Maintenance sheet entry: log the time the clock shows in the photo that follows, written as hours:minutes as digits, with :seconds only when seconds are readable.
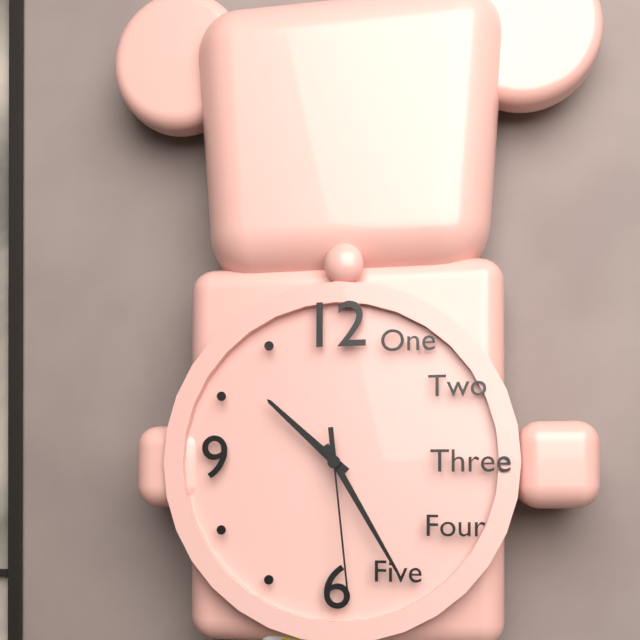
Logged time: 10:25:29
